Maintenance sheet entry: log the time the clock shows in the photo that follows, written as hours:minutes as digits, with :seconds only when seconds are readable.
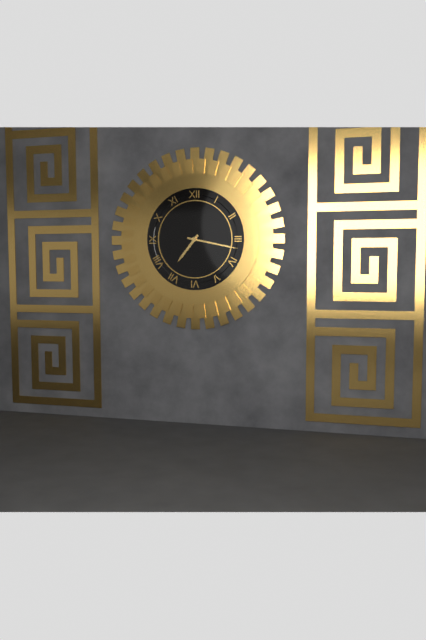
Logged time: 7:17
